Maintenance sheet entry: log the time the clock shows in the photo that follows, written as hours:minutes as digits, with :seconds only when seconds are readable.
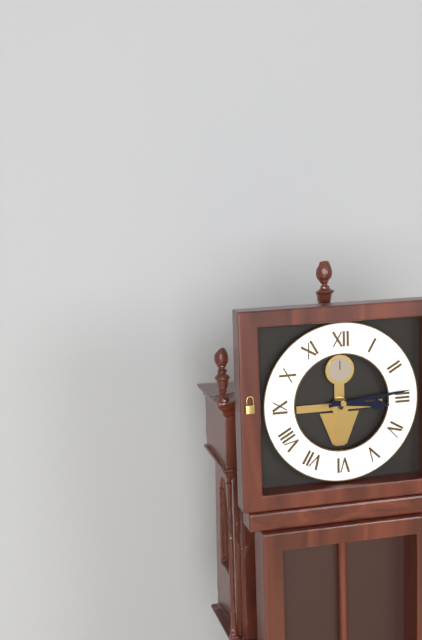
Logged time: 3:14
